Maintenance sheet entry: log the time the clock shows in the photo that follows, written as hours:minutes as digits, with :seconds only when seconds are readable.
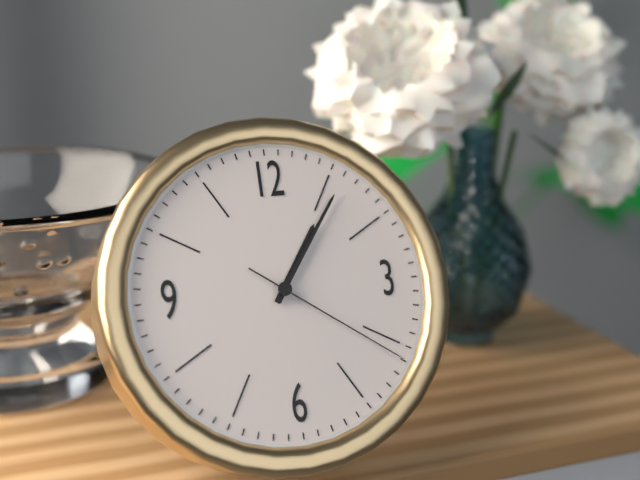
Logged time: 1:06:21
